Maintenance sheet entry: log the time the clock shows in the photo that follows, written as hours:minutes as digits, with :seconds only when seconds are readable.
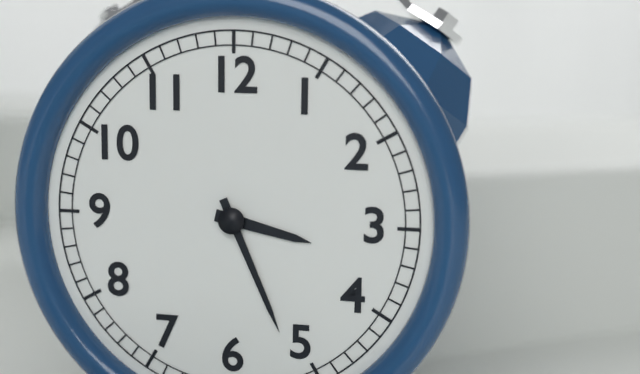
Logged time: 3:26
